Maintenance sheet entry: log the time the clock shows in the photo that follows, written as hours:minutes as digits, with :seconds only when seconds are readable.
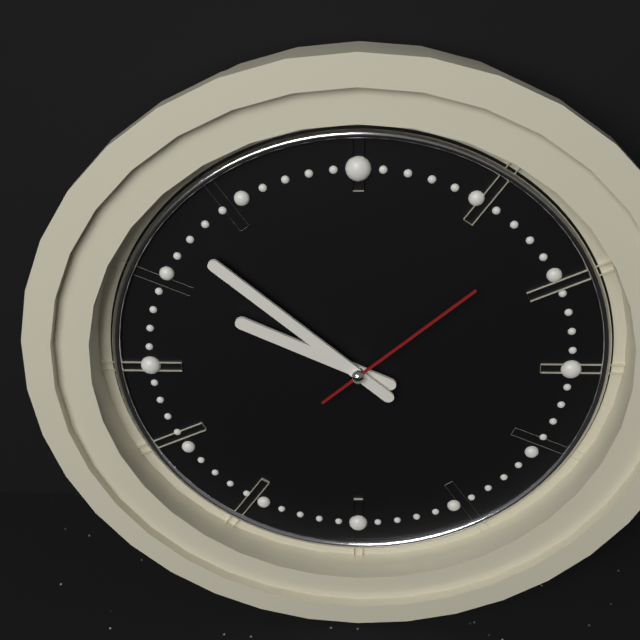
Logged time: 9:52:08
